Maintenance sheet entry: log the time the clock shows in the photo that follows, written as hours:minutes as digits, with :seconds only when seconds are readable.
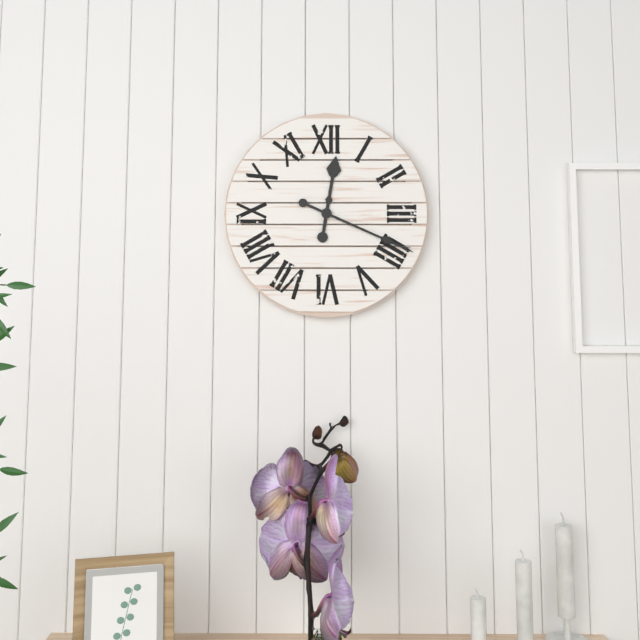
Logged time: 12:19
